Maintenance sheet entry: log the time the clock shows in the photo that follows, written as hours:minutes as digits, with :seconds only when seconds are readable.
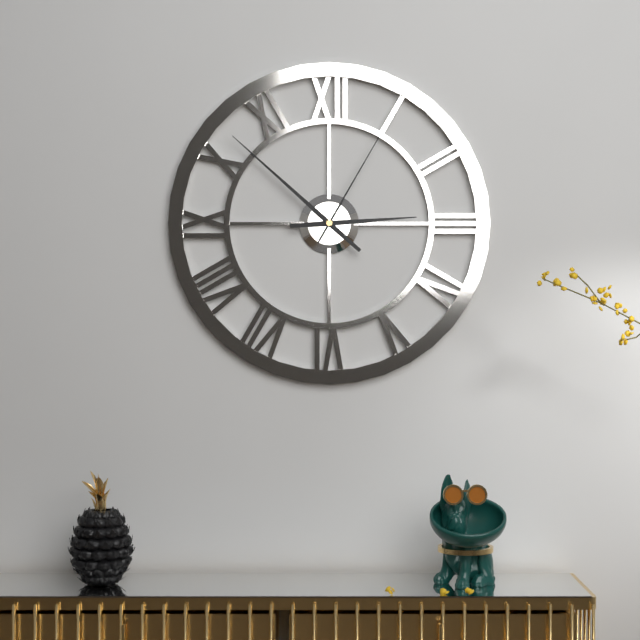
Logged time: 2:52:05
